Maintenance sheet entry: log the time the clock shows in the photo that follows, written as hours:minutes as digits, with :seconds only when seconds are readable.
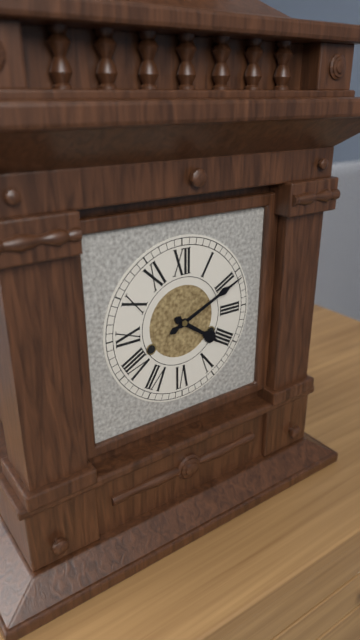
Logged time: 4:11
